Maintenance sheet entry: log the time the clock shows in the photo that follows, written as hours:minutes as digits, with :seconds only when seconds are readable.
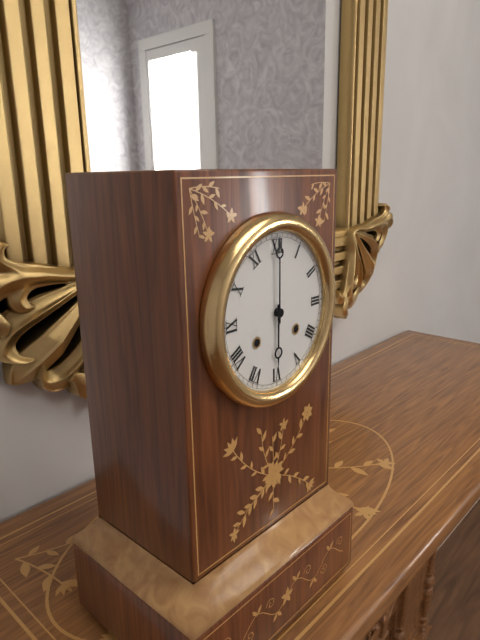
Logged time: 6:00
